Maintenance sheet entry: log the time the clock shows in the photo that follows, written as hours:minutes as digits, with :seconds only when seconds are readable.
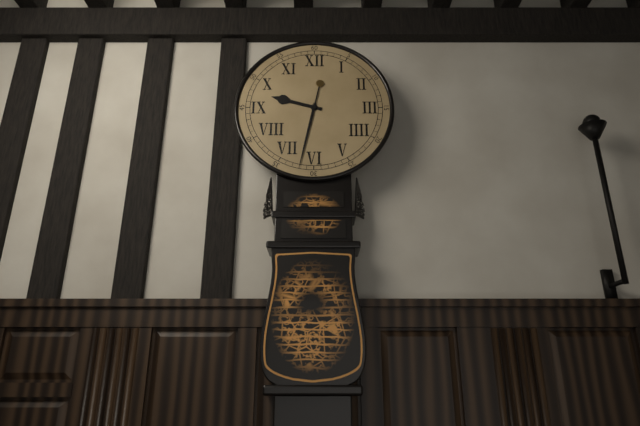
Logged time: 9:32
